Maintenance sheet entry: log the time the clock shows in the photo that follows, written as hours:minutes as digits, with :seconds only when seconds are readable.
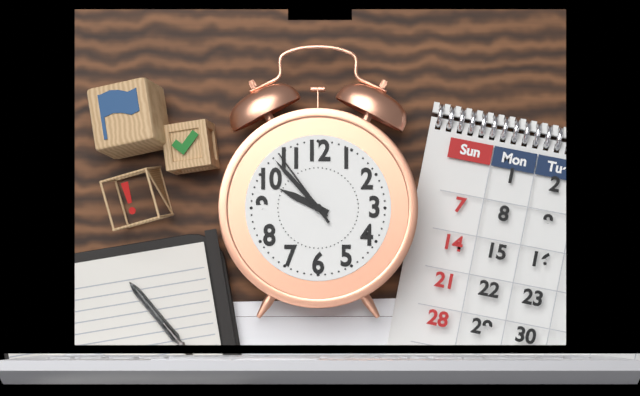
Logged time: 9:53:54
